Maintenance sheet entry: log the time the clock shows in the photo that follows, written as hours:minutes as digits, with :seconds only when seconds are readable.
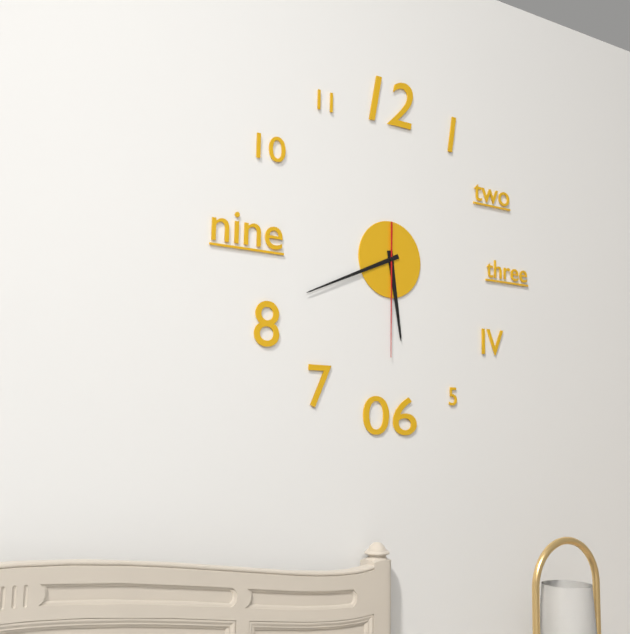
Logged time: 5:41:30
